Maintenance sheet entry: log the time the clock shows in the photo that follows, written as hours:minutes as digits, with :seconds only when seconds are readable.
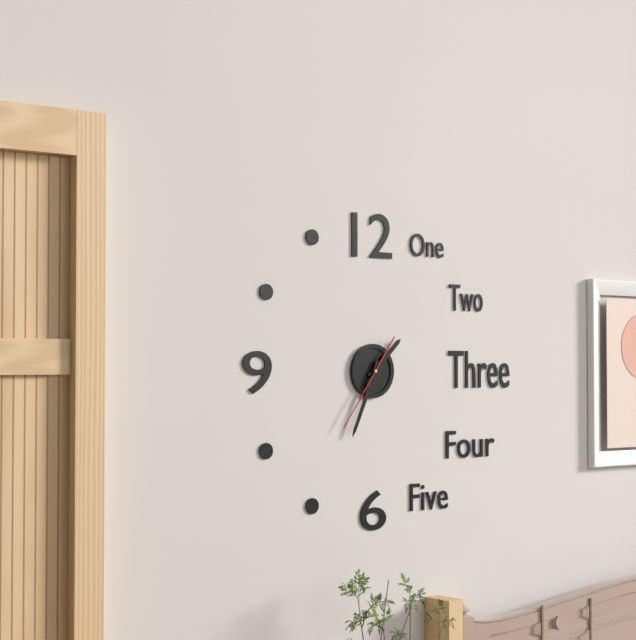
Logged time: 1:34:36
